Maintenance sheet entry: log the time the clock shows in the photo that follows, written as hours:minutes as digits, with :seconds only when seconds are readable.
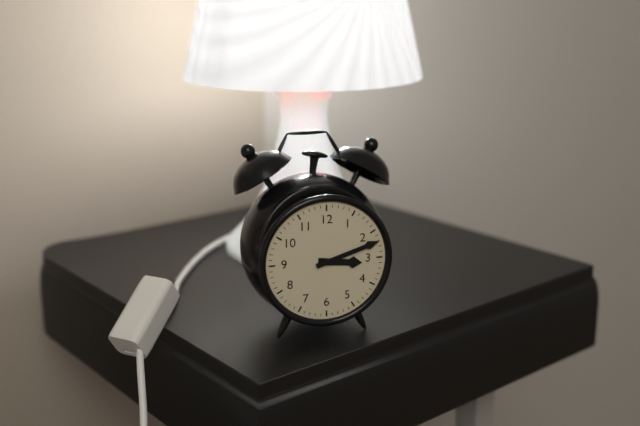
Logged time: 3:12
